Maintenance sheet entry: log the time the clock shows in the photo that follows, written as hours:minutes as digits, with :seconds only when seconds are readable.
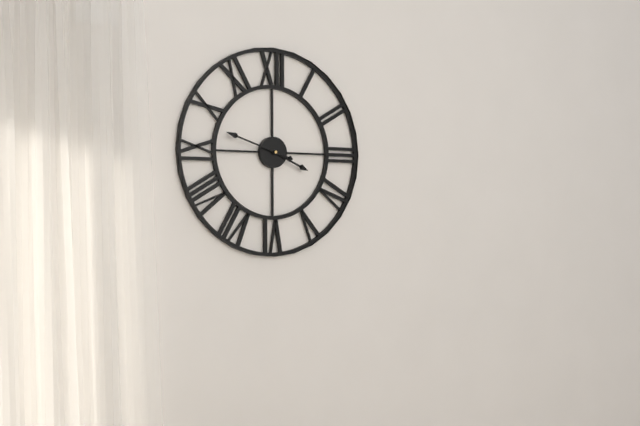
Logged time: 3:48
